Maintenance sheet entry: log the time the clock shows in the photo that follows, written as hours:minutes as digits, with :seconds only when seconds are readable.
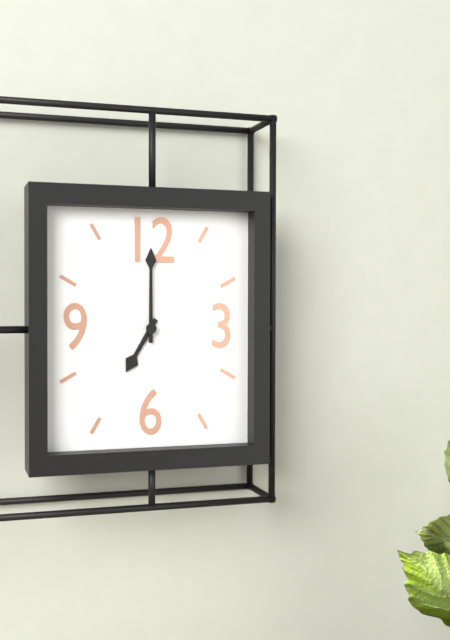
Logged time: 7:00
